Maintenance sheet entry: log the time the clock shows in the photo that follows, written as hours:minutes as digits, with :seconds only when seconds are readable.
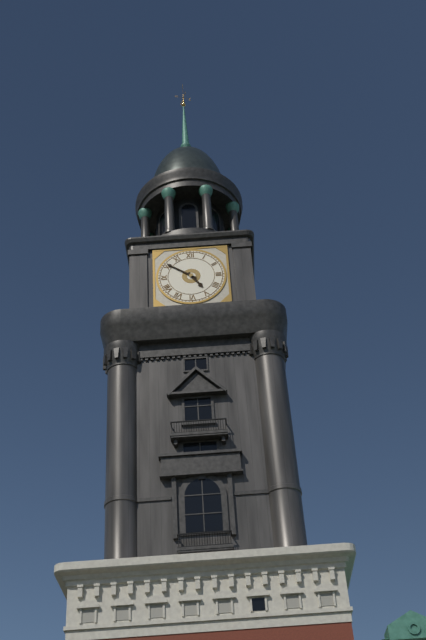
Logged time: 4:51
